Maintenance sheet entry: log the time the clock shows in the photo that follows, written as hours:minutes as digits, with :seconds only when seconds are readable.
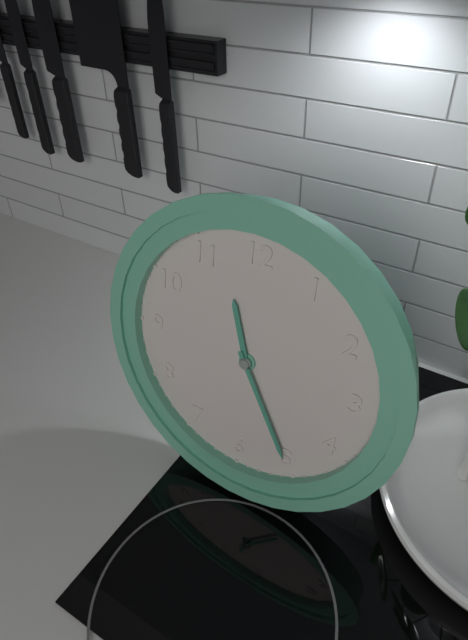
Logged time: 11:25
